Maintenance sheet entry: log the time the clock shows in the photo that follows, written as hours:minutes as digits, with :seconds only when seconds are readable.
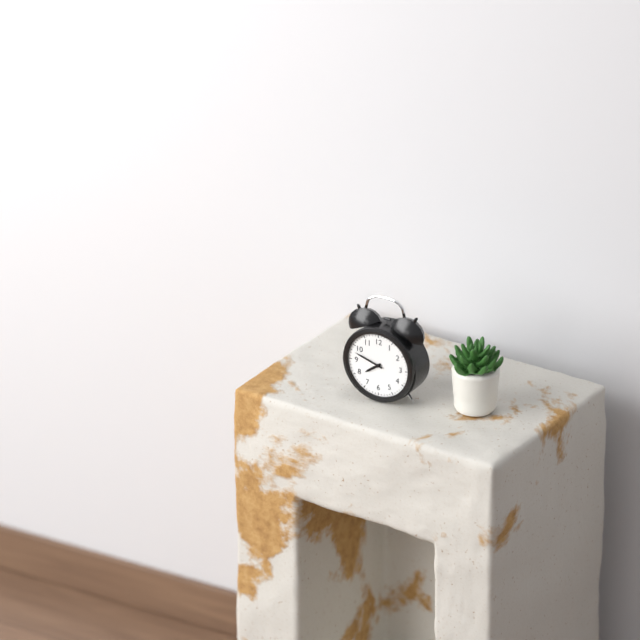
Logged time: 7:48
